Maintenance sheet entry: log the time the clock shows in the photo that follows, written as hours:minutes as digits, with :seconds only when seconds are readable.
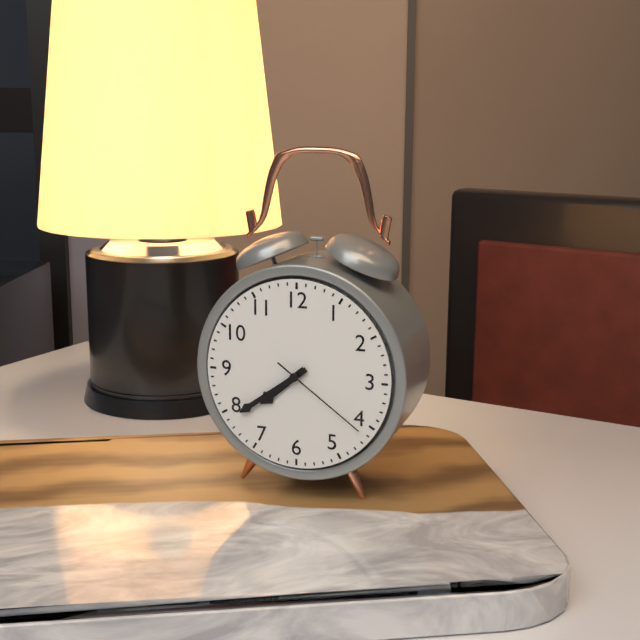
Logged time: 7:39:21
